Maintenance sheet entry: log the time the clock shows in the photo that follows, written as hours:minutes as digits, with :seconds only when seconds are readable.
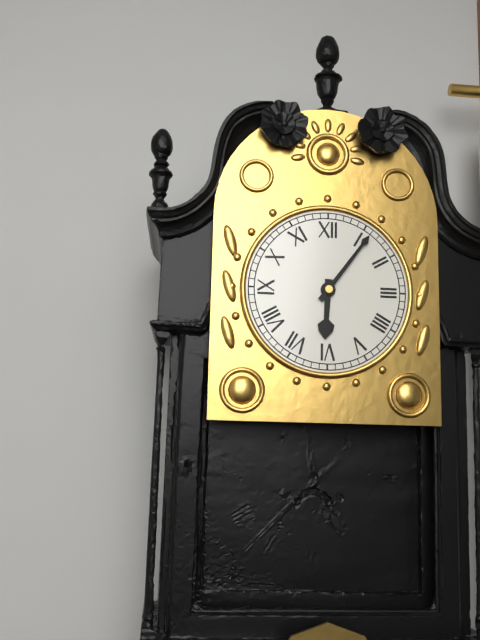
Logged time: 6:06
